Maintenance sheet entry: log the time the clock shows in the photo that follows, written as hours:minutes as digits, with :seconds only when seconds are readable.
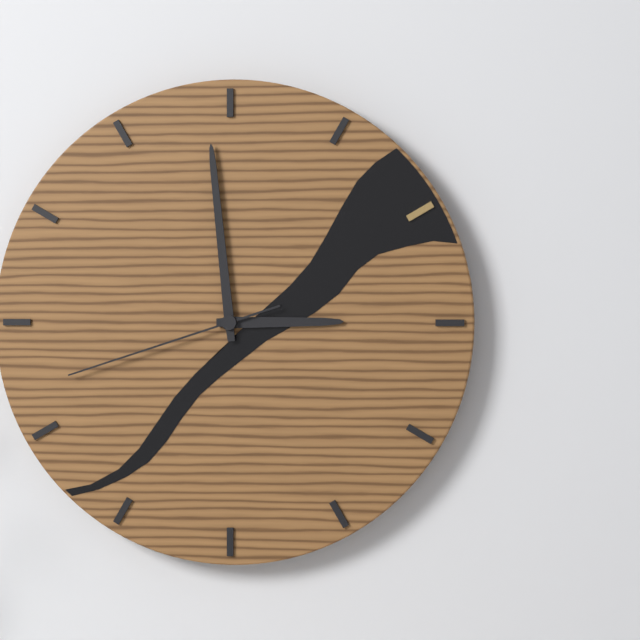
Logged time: 2:59:42
